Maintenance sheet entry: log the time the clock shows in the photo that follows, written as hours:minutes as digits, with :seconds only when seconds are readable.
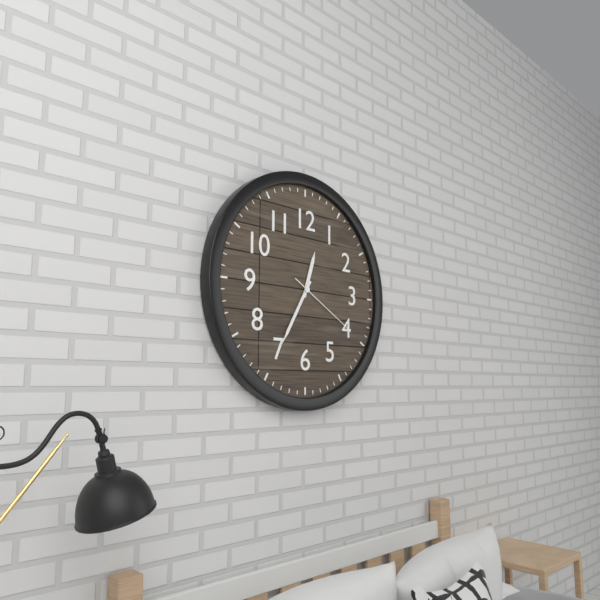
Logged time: 12:35:20
